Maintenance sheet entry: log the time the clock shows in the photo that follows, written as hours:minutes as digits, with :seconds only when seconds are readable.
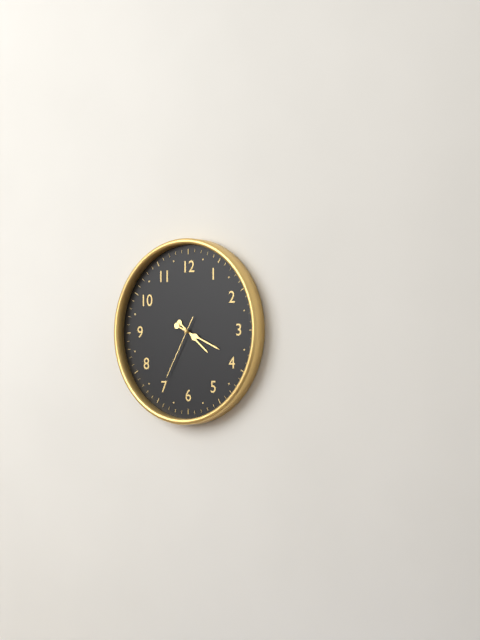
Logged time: 4:19:35
